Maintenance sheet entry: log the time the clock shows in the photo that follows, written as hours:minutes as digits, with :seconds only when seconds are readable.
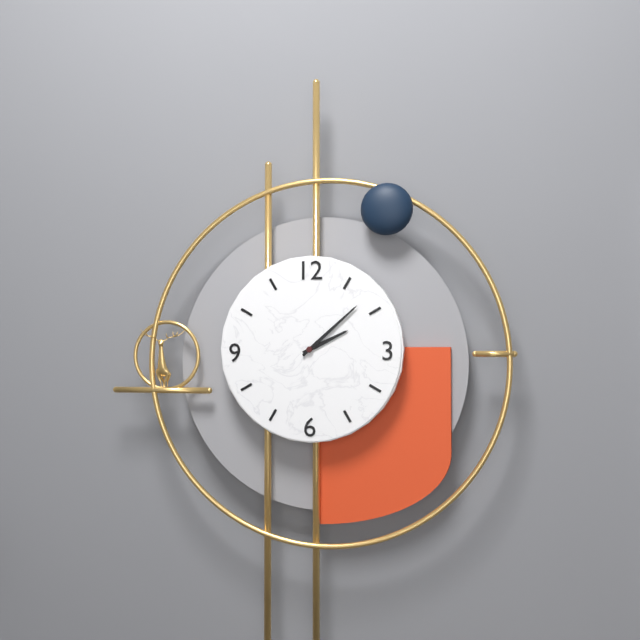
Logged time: 2:08
